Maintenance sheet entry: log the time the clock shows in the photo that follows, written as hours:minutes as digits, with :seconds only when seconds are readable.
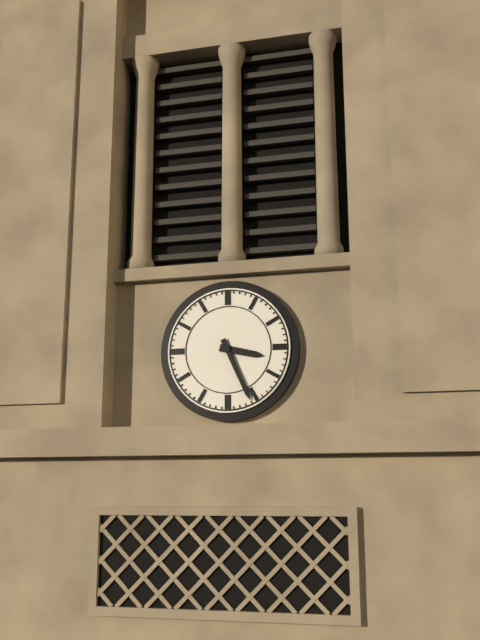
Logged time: 3:26
